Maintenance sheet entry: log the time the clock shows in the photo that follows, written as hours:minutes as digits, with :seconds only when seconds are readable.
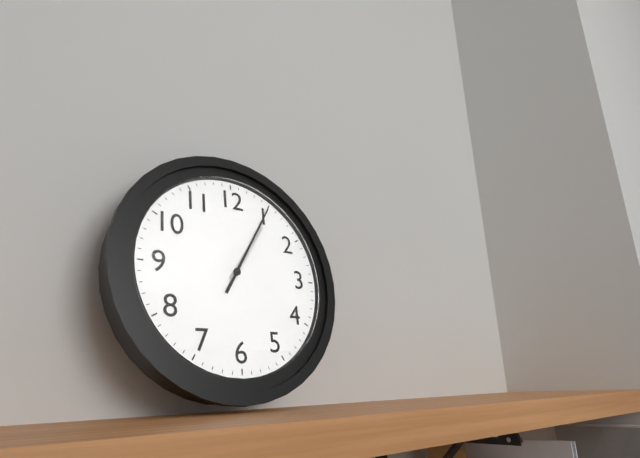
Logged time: 1:05
